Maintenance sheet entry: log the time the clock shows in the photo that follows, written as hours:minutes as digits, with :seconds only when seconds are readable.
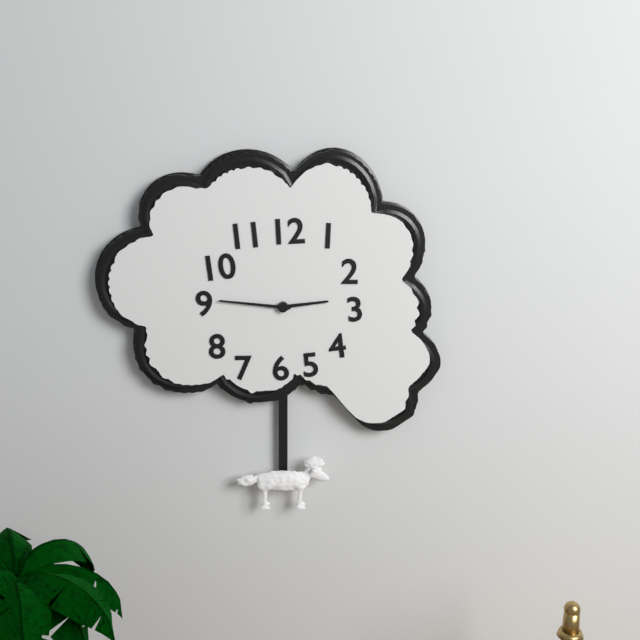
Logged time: 2:46
